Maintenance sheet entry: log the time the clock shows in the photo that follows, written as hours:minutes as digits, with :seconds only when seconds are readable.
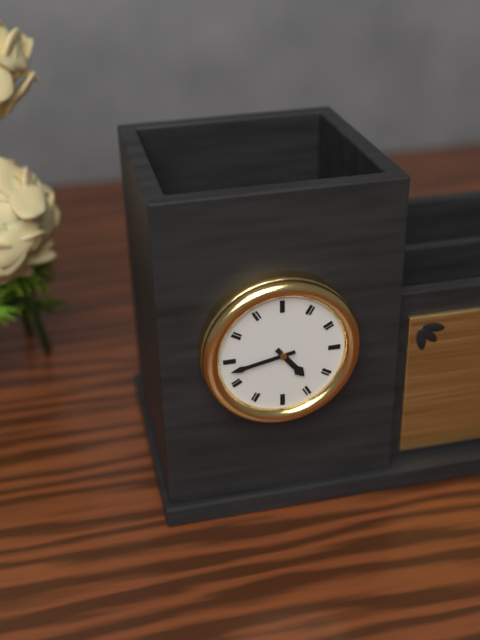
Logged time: 4:43
